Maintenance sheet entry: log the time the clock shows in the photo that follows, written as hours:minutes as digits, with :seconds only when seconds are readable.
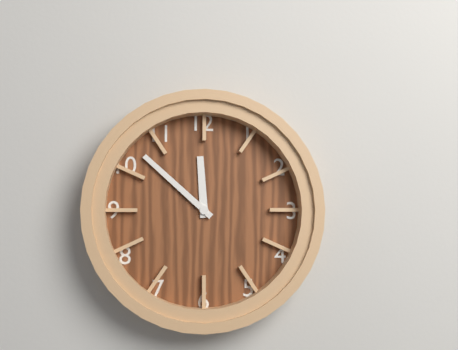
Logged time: 11:52
